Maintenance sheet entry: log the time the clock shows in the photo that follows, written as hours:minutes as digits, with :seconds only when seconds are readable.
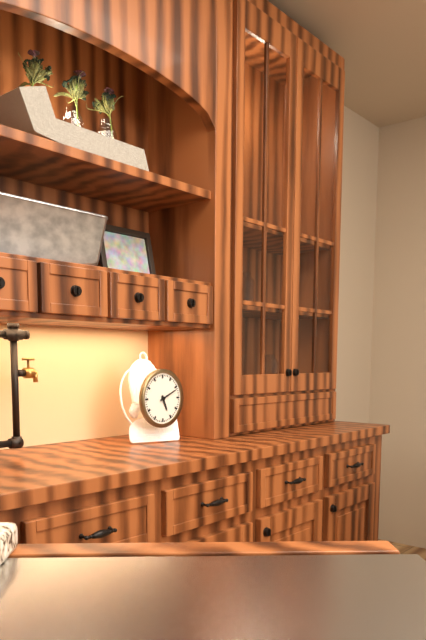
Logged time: 5:11
